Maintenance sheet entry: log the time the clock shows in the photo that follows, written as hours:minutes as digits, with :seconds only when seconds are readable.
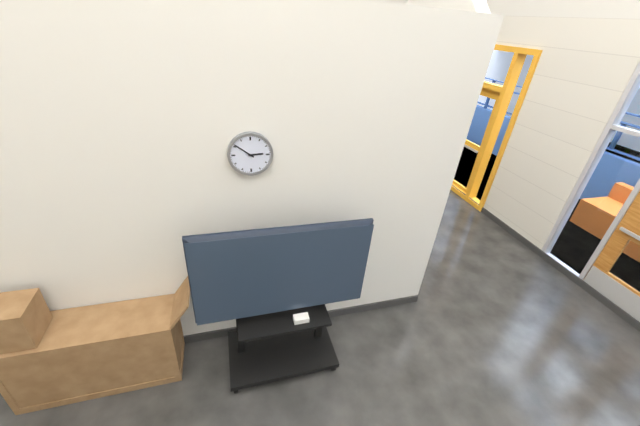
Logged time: 2:51
